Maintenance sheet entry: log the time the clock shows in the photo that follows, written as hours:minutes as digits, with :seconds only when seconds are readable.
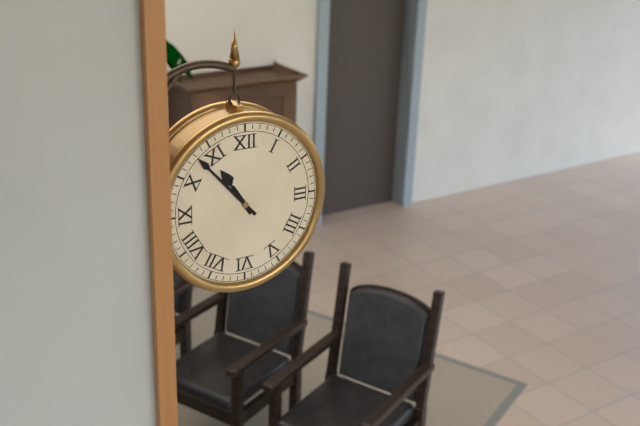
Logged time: 10:53
